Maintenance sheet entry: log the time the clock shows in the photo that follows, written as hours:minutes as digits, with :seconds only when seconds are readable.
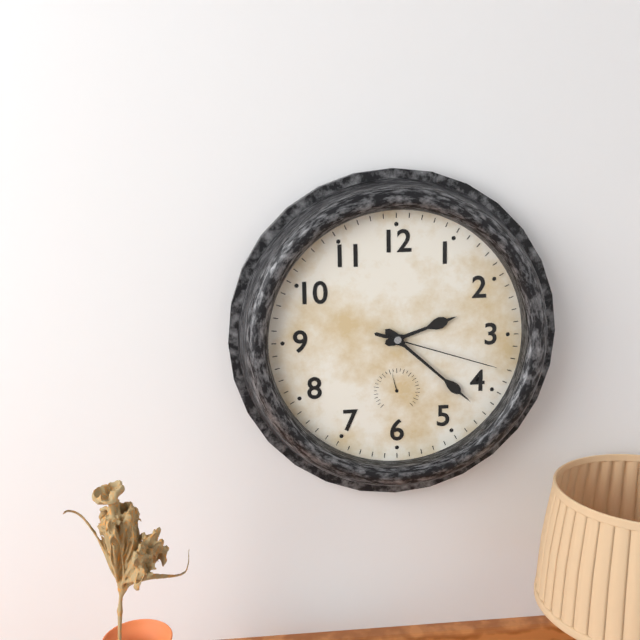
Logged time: 2:22:18
